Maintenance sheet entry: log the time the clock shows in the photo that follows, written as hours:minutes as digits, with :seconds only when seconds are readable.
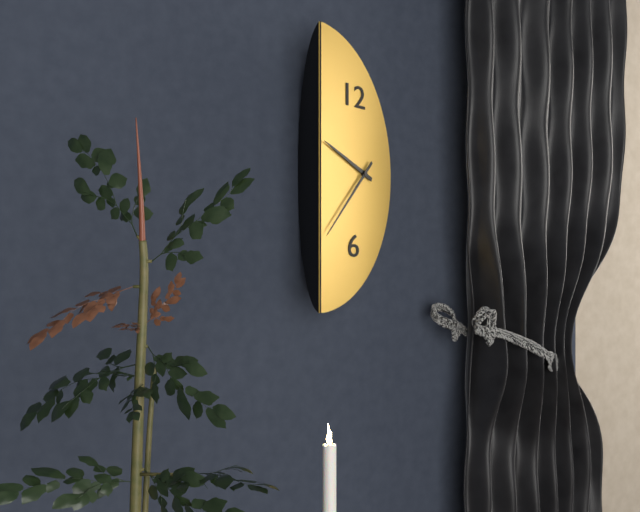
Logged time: 9:38
